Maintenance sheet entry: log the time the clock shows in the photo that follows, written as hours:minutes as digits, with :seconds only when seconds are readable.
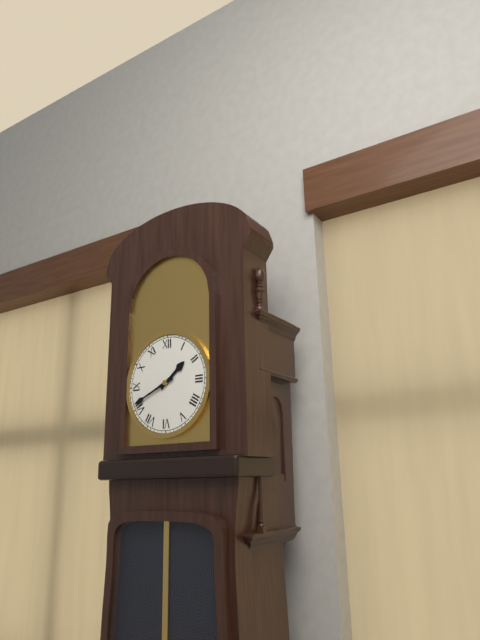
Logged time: 1:41
